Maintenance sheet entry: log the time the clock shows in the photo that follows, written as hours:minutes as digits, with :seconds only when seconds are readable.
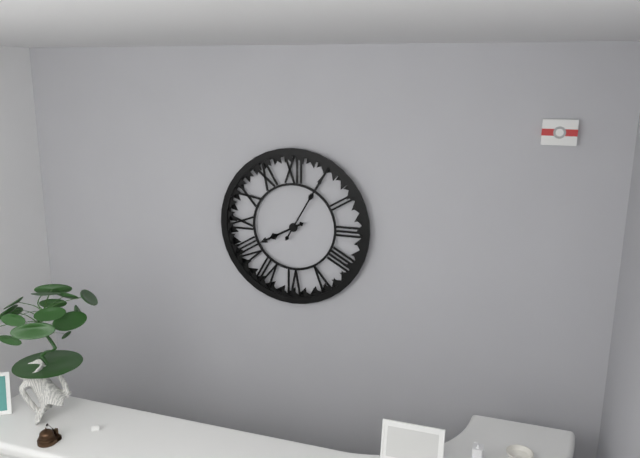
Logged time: 8:05
